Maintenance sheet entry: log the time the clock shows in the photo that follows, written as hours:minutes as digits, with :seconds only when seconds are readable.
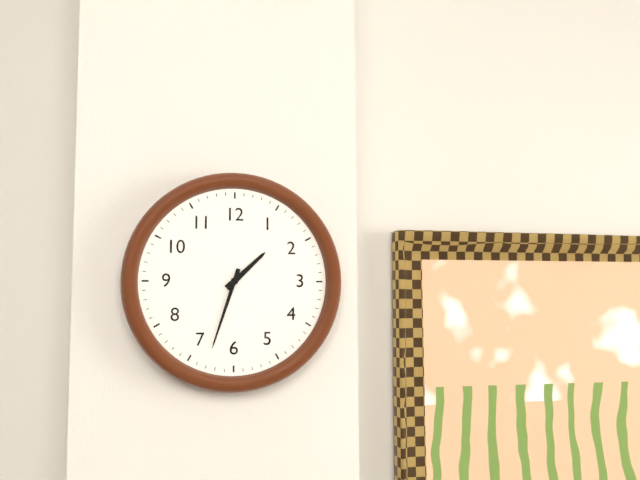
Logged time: 1:33
